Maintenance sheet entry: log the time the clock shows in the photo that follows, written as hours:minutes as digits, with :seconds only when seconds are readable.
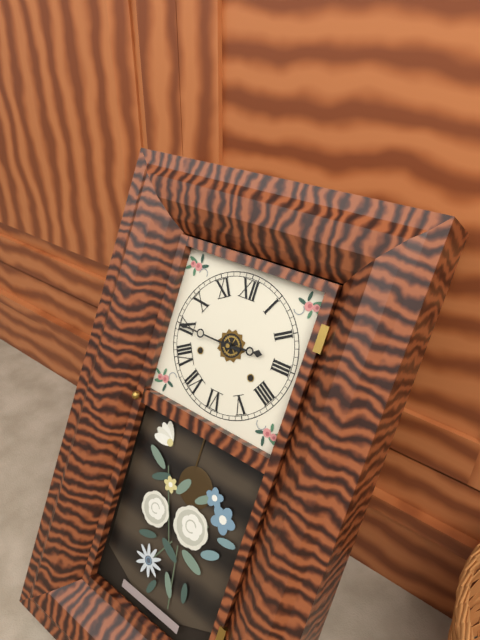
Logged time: 2:45
